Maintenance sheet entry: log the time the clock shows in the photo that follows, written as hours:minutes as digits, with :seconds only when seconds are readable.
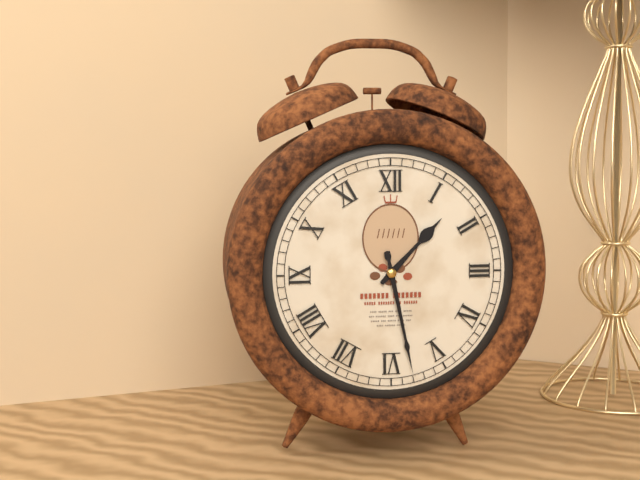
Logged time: 1:28
